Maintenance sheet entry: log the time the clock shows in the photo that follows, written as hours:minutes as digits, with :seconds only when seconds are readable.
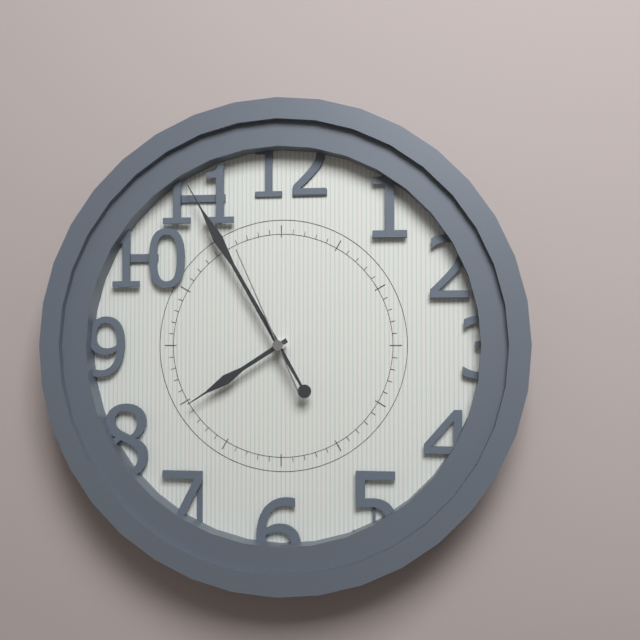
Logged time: 7:55:56
